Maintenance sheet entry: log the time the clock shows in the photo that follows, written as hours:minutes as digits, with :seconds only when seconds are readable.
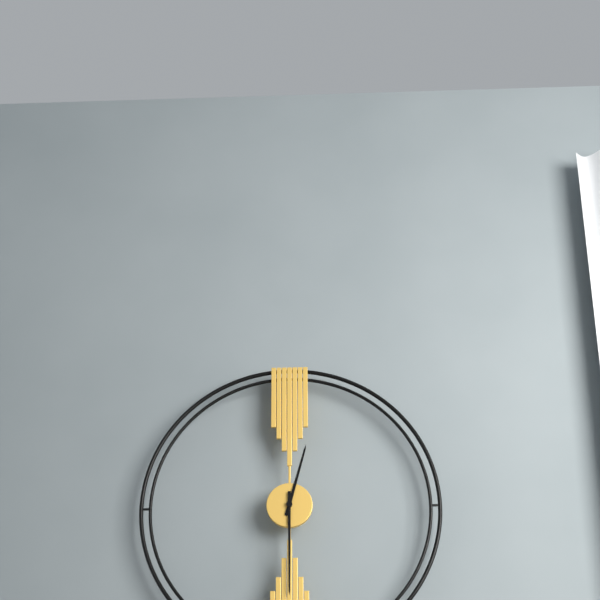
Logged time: 12:30
